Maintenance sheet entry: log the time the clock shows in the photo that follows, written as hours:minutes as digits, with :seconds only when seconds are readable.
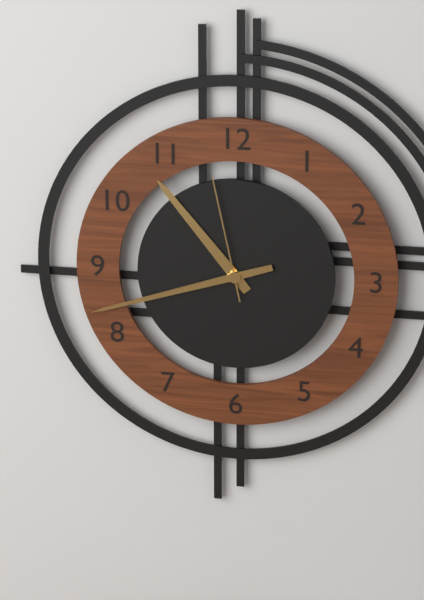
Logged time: 10:42:58
